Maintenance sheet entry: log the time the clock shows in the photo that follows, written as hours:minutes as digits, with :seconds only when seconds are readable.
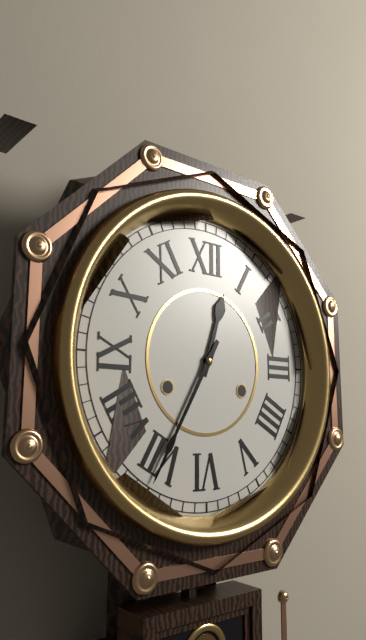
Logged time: 12:35
